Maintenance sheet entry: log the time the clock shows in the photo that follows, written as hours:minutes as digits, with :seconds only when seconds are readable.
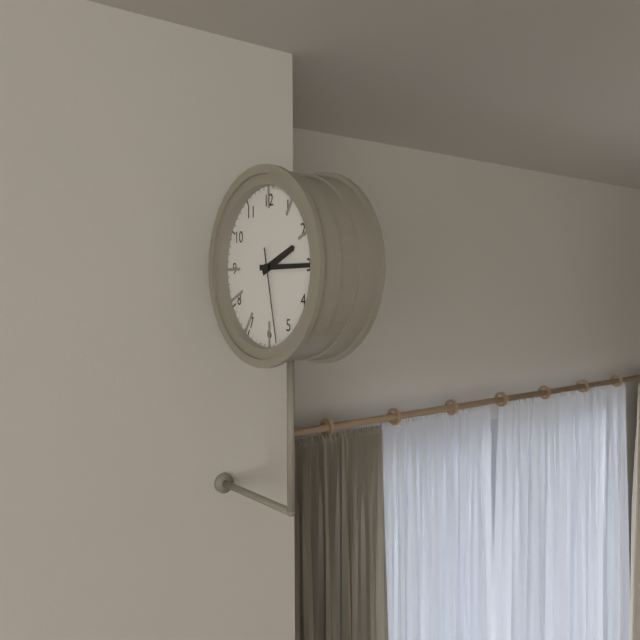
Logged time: 2:15:28
